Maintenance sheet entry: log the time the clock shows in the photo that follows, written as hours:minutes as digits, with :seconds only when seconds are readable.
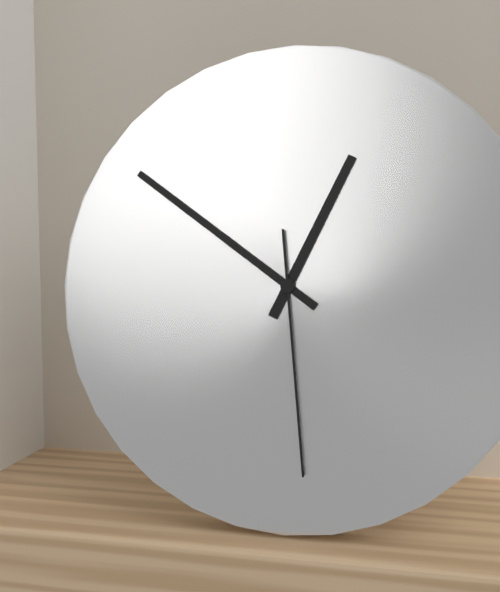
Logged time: 12:51:29
